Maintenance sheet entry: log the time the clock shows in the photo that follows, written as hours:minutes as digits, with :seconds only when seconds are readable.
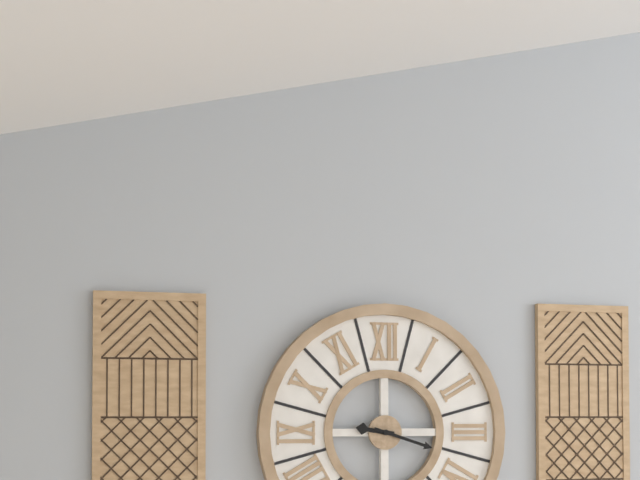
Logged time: 9:18
